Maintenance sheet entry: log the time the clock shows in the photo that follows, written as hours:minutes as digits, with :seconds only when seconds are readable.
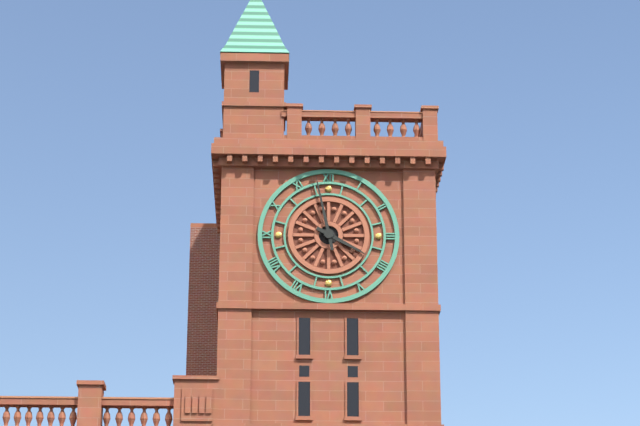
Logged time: 3:58
